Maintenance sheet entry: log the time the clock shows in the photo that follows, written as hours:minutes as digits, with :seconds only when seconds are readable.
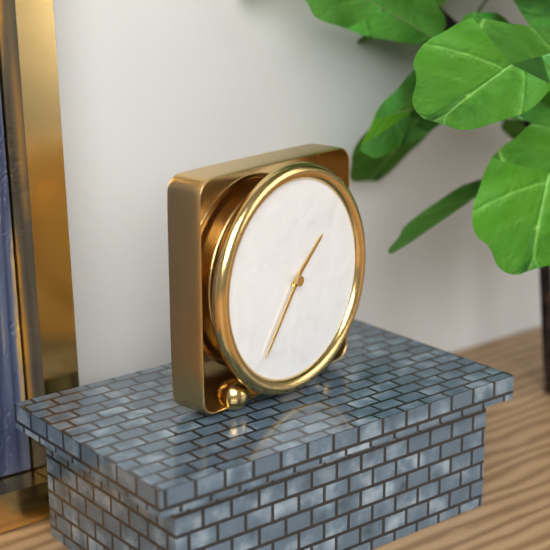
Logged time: 1:36
